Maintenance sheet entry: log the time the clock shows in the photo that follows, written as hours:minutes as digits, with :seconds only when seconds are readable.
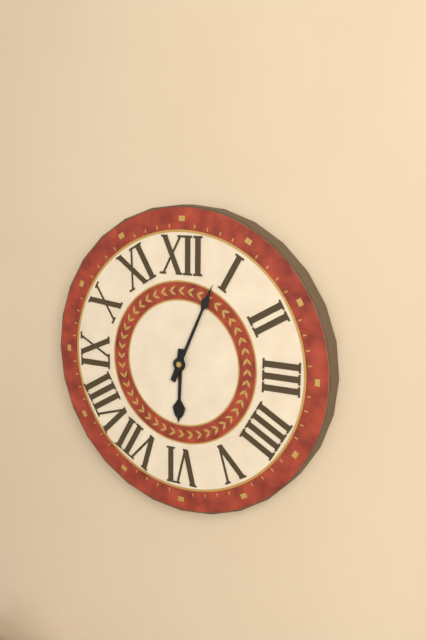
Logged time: 6:04
